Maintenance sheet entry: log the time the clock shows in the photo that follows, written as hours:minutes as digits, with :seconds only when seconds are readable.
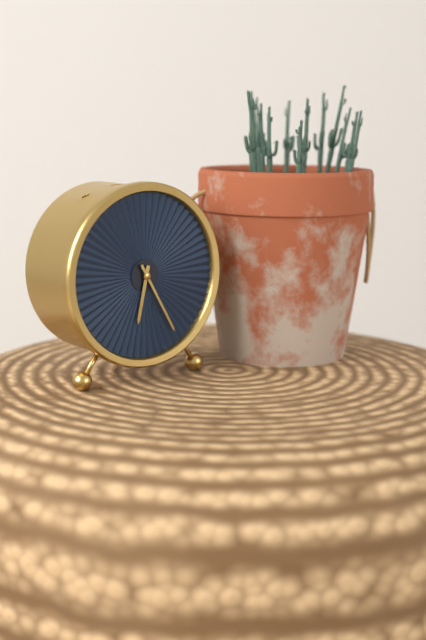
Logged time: 6:25
